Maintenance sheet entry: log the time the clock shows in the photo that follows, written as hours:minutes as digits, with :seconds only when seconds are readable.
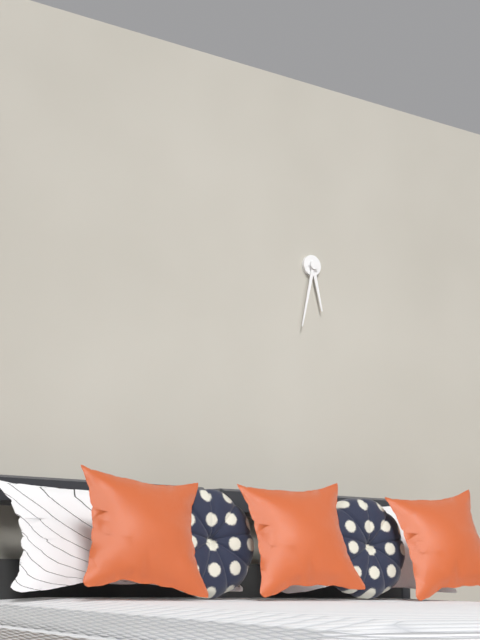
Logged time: 5:32
